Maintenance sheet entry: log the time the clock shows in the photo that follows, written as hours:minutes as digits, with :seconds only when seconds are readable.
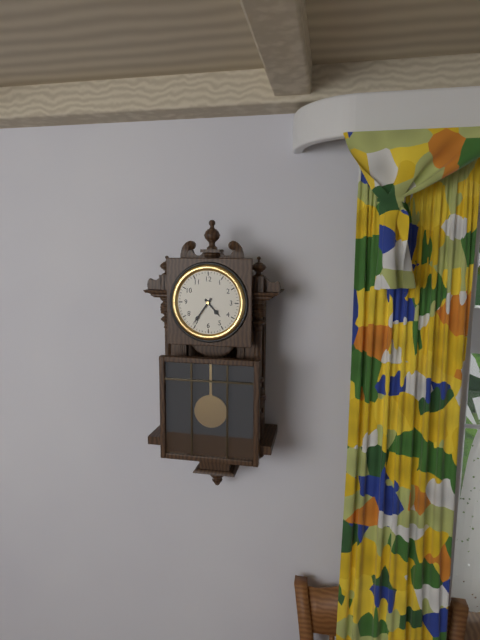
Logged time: 4:36
